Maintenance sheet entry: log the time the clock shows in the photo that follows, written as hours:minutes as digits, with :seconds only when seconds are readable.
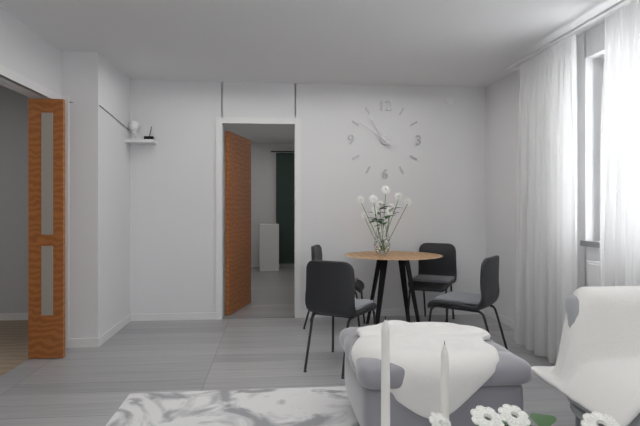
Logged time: 10:51
